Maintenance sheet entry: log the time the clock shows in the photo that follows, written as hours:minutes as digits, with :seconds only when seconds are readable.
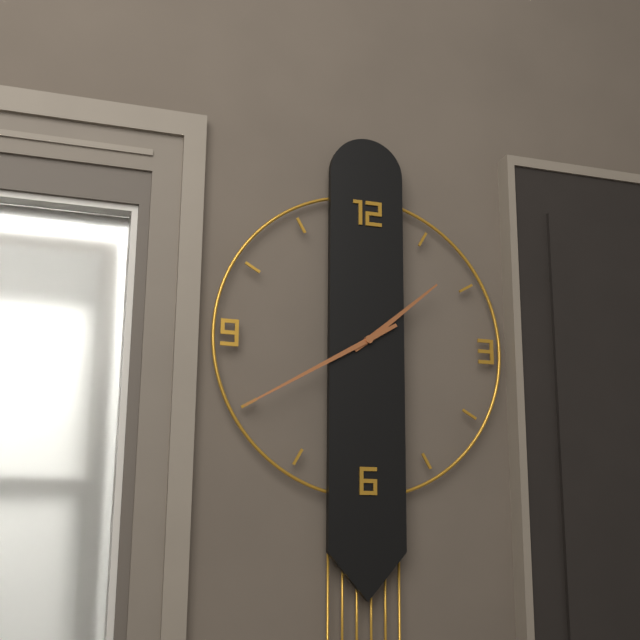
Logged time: 1:40
